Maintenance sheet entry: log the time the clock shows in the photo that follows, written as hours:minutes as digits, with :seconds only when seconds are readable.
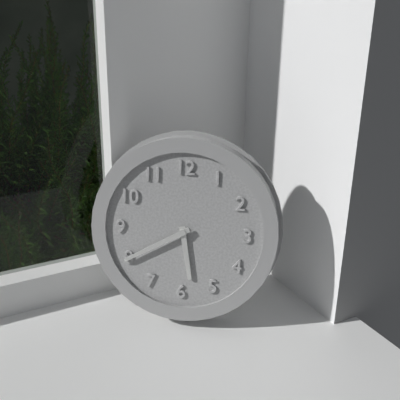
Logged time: 5:40
